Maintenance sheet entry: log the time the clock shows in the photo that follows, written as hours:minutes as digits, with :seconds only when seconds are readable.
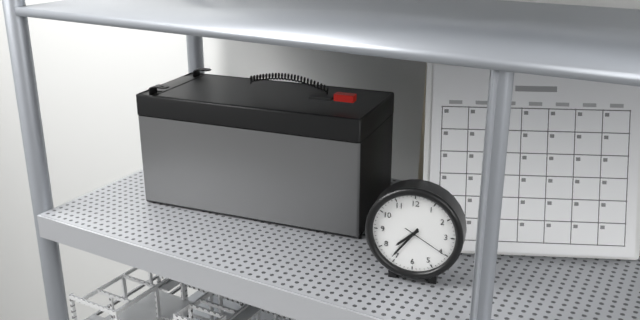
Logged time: 7:36
